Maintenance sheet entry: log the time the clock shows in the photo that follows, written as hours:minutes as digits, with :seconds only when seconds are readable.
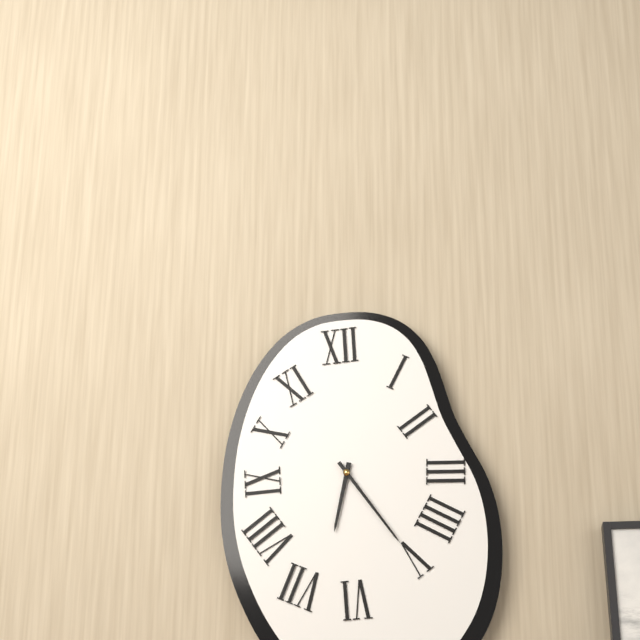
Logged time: 6:24
